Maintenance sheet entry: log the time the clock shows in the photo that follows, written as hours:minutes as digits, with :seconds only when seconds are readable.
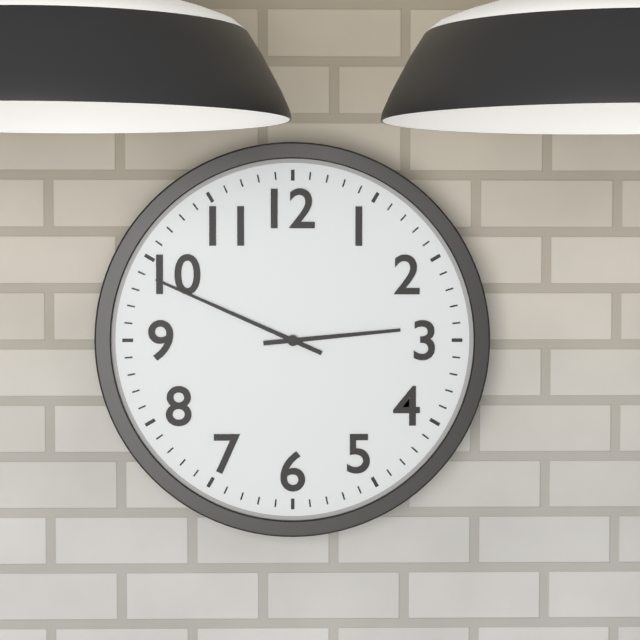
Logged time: 2:49
